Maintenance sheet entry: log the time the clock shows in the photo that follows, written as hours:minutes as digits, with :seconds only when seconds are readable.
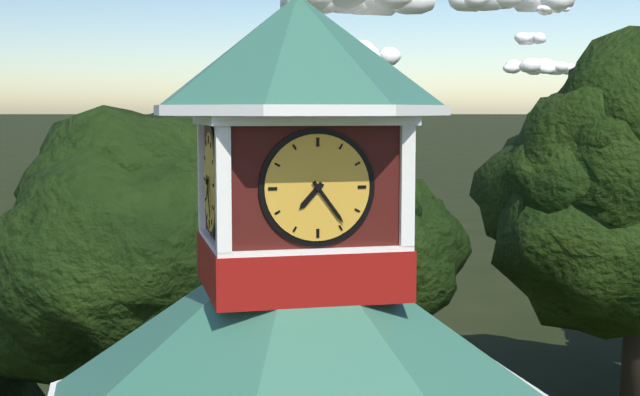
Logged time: 7:24
